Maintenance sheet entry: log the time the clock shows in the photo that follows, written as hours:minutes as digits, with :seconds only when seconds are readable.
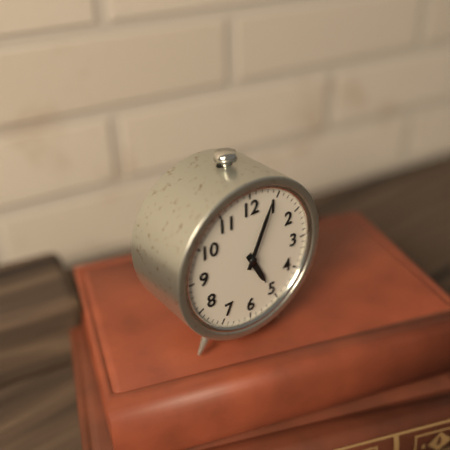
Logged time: 5:04
